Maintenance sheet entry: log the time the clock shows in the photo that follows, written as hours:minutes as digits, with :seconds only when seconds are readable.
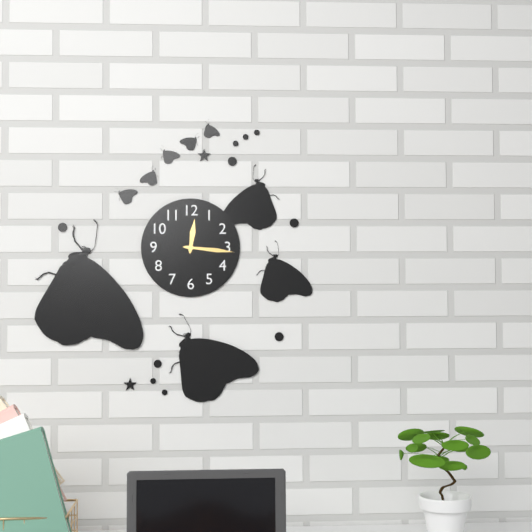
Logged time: 12:16
